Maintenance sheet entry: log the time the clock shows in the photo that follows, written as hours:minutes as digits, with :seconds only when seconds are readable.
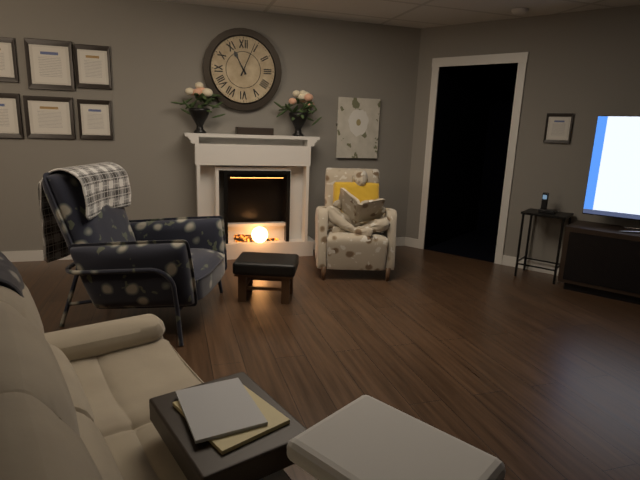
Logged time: 11:04
